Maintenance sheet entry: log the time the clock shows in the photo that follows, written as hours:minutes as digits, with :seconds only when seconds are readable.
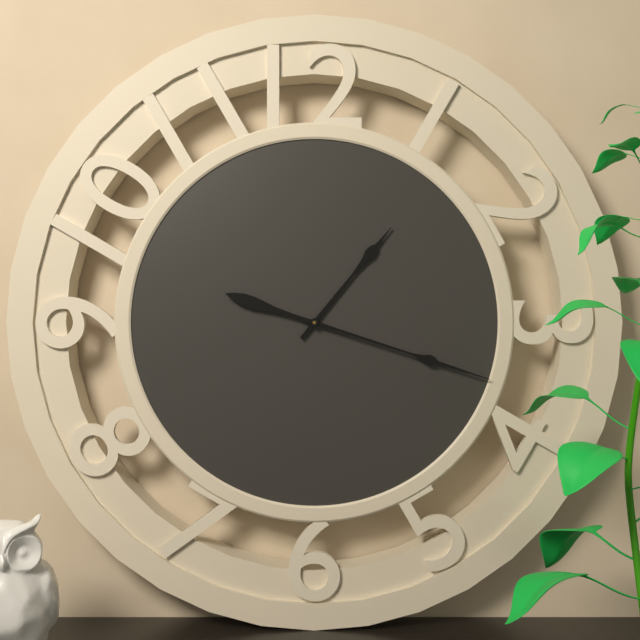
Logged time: 1:18
